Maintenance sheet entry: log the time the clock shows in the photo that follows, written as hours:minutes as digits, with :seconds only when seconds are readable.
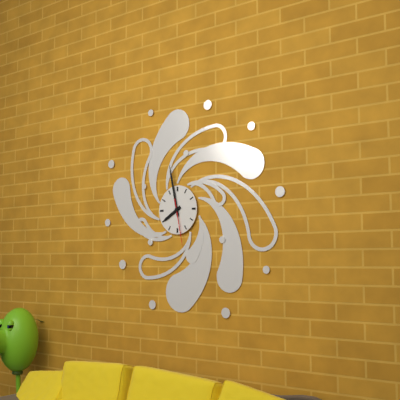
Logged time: 7:58
